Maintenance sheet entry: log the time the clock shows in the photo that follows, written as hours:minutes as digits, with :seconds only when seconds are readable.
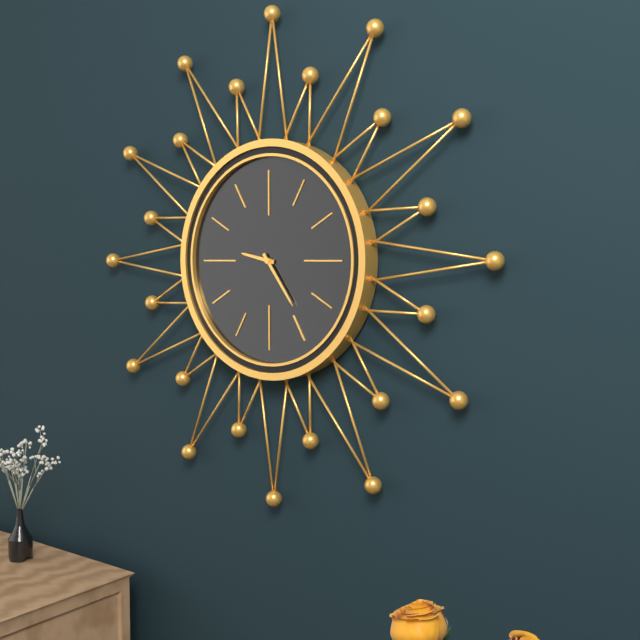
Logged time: 9:24
